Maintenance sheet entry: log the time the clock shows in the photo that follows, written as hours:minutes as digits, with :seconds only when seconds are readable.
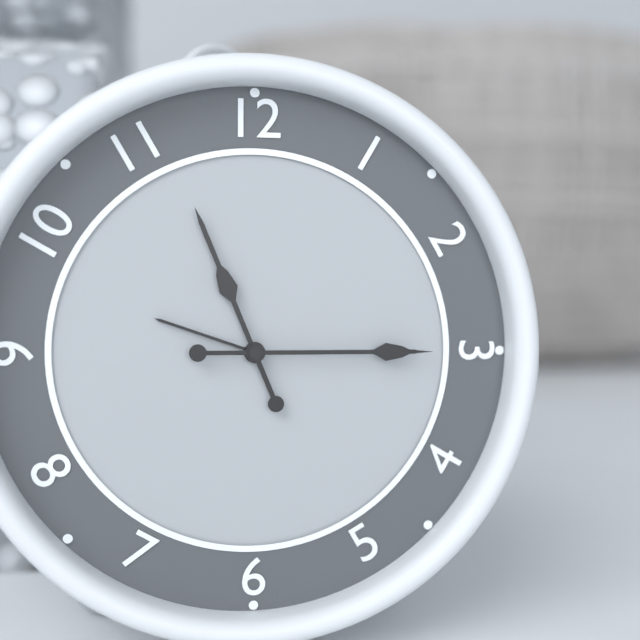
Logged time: 11:15
